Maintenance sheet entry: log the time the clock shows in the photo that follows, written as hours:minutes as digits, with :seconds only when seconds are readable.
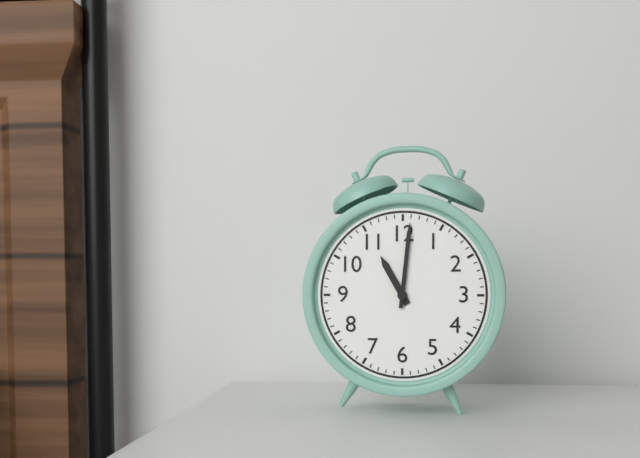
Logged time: 11:01
